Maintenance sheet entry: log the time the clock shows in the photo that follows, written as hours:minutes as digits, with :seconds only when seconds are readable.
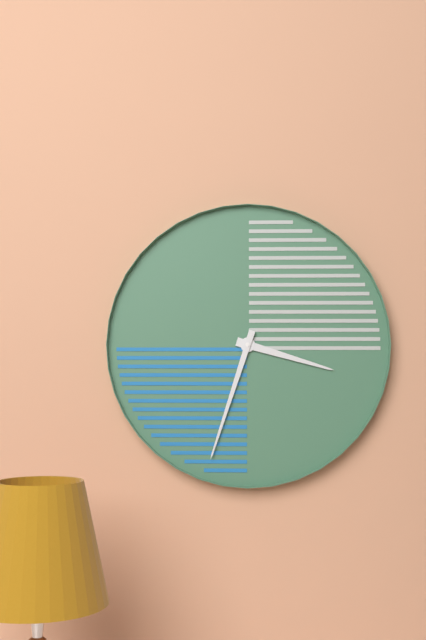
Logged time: 3:33
